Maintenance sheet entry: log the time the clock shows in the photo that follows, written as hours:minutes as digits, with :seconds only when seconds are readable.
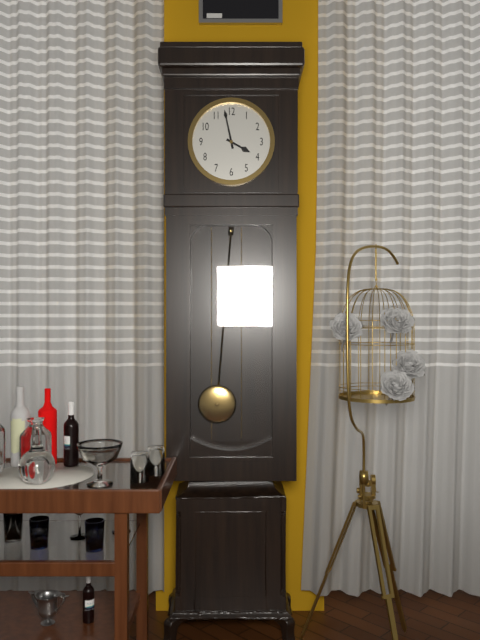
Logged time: 3:58
